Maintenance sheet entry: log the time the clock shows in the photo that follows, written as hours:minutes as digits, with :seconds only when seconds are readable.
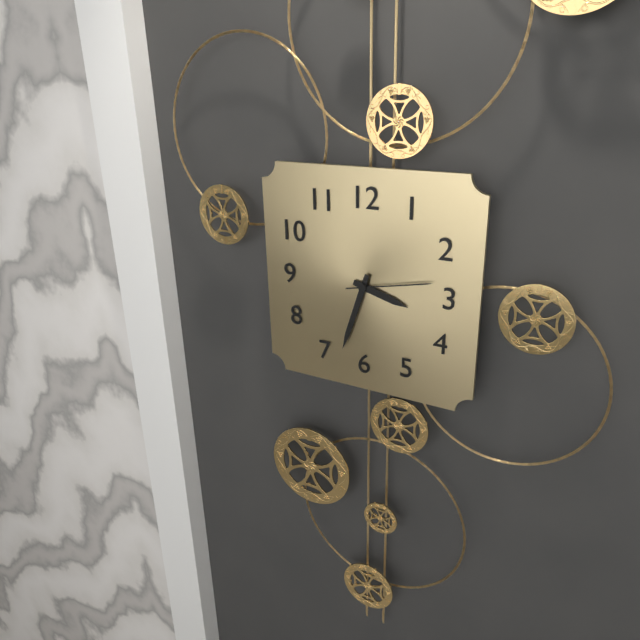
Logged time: 3:33:13
